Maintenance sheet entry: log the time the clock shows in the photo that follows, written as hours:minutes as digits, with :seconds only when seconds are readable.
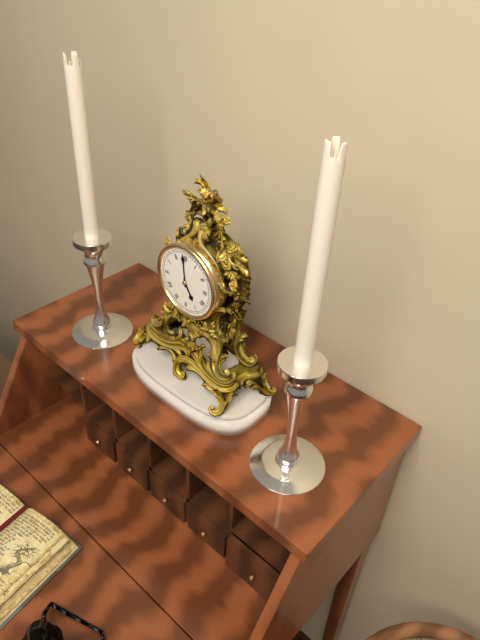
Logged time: 4:59
